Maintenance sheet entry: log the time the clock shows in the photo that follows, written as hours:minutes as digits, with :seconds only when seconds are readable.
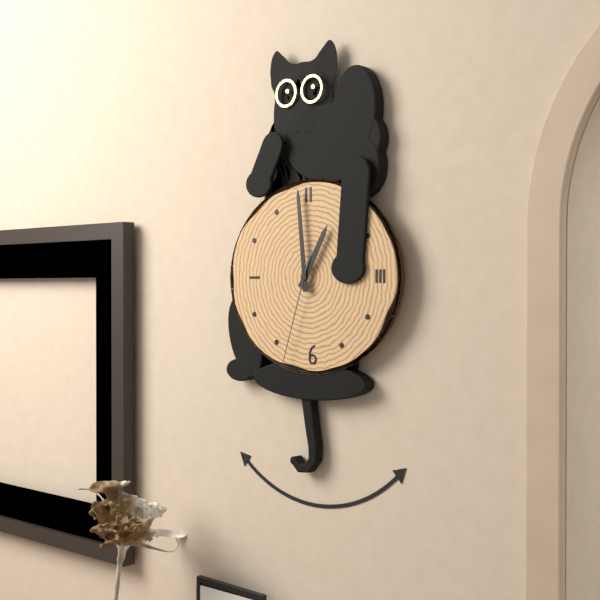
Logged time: 12:59:33
